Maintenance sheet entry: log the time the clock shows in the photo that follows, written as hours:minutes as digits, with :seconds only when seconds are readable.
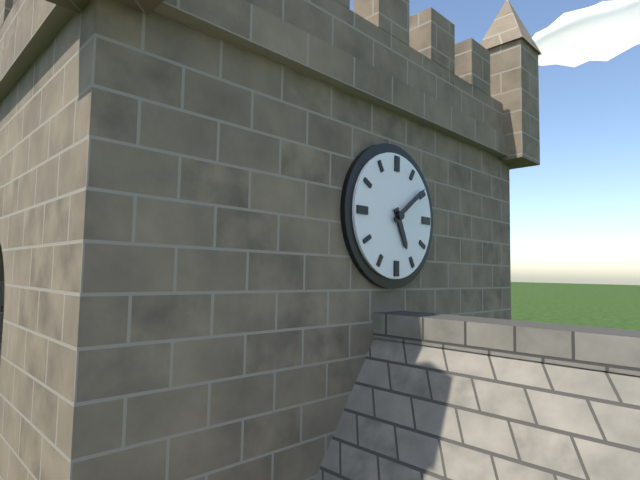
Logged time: 5:09
